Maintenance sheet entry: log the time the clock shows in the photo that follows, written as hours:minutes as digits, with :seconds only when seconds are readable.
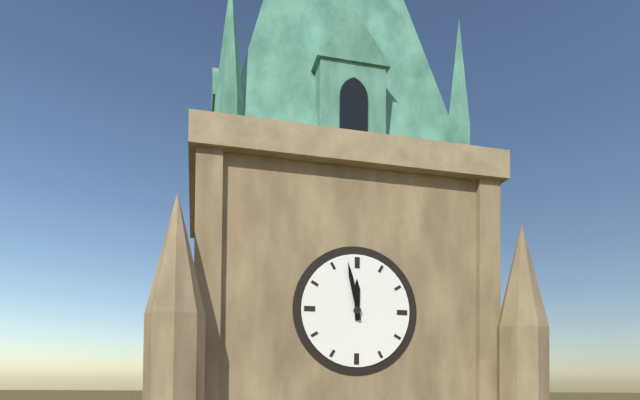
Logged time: 11:58
